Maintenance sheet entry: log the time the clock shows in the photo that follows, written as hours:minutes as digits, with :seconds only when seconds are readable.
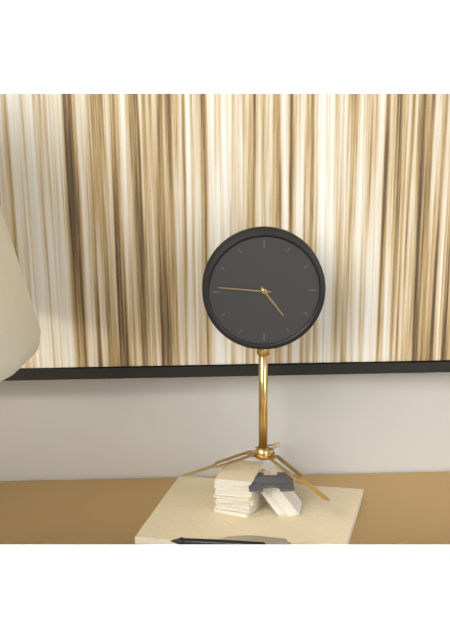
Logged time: 4:46
